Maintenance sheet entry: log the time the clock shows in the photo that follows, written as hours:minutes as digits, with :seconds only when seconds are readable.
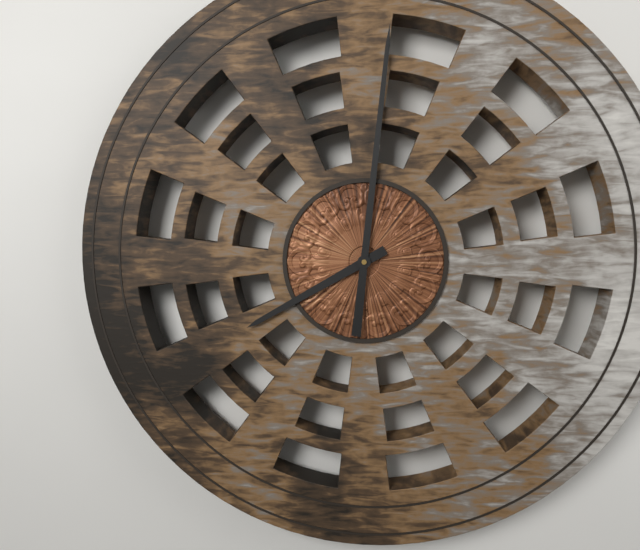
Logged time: 8:01
